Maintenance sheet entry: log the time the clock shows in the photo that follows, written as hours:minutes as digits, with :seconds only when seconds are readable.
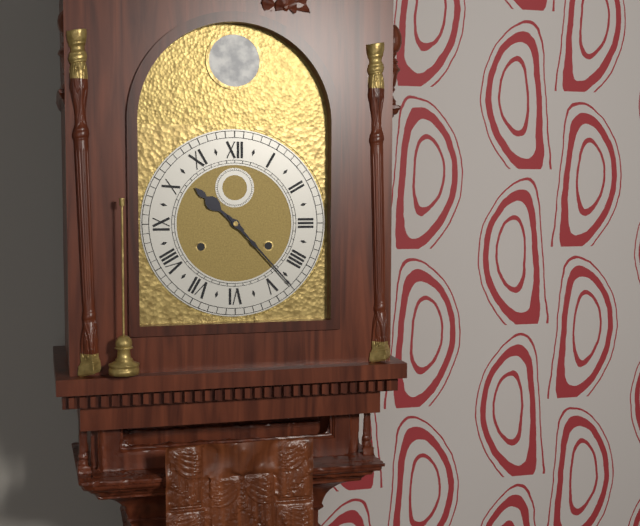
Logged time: 10:23
